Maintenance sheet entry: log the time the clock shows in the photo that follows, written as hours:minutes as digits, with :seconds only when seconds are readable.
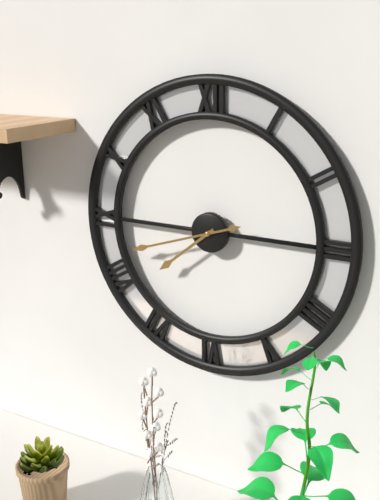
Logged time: 7:42
